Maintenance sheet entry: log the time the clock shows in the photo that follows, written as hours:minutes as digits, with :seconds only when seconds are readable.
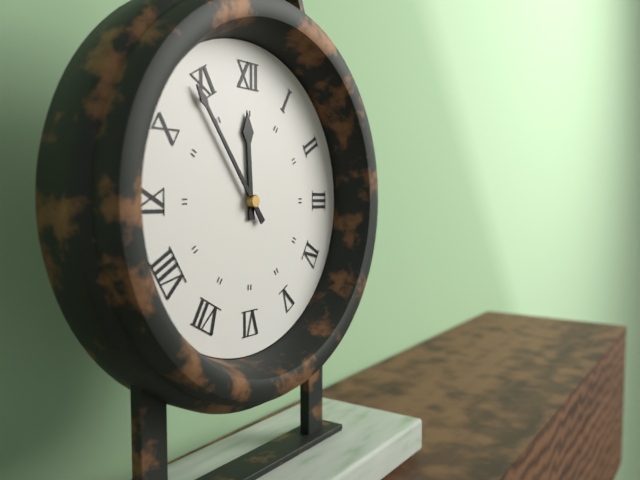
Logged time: 11:54
